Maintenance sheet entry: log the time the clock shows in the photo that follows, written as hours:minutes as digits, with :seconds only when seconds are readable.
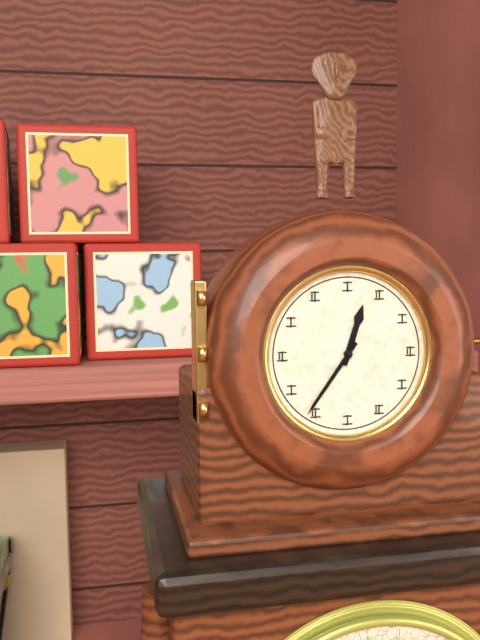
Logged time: 12:36
